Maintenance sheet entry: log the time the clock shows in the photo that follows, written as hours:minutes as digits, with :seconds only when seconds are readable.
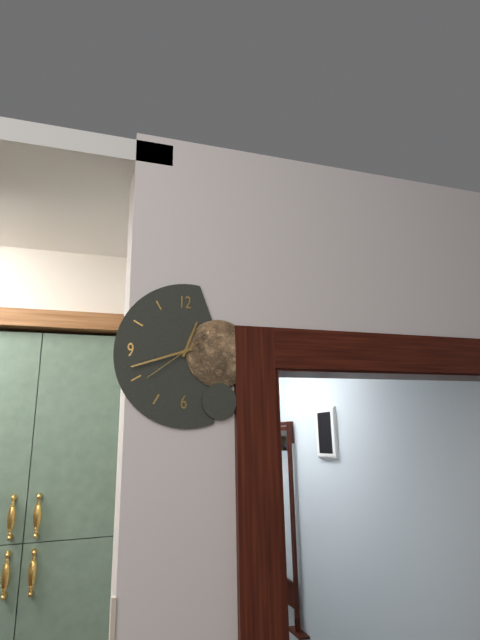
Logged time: 12:42:39
